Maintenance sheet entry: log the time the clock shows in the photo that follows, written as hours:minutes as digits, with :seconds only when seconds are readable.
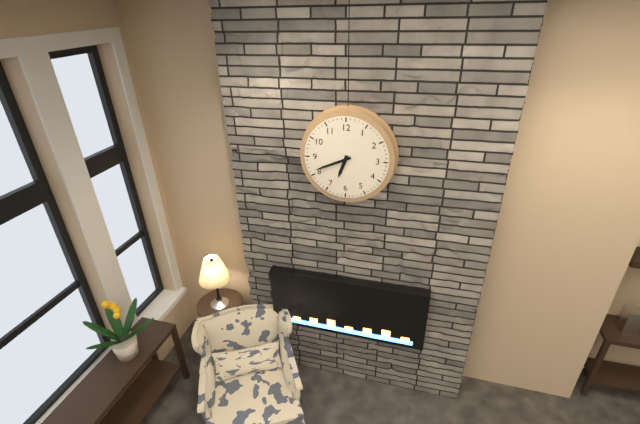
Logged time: 6:41
